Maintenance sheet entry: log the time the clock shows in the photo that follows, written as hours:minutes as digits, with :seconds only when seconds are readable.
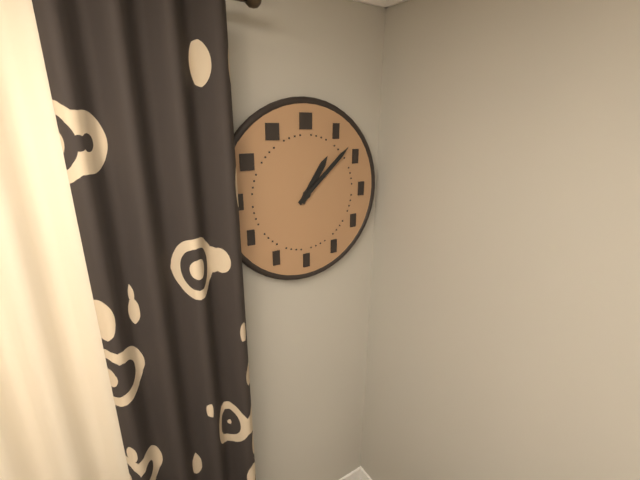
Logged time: 1:08
